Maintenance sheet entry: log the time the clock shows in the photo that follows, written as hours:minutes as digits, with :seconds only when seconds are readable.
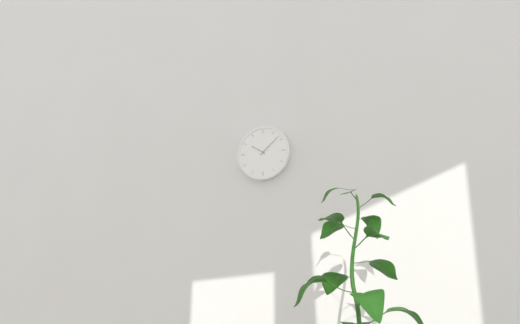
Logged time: 10:08
